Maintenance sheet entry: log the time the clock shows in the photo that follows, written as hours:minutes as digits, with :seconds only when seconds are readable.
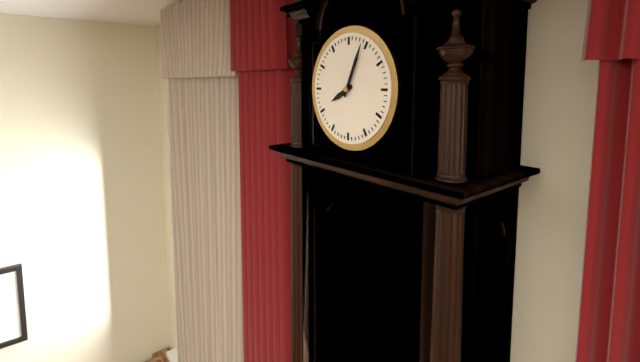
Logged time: 8:04
